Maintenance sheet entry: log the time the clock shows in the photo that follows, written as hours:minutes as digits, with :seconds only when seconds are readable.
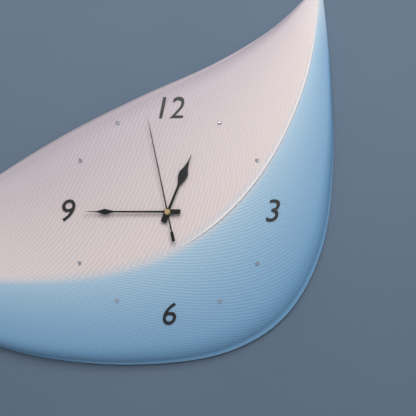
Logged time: 12:45:58
